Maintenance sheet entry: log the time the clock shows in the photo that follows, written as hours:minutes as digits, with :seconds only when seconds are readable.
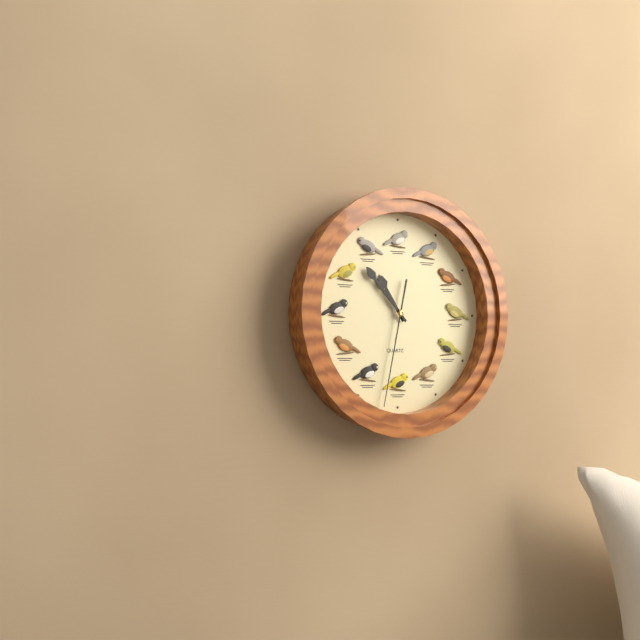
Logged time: 10:53:32
